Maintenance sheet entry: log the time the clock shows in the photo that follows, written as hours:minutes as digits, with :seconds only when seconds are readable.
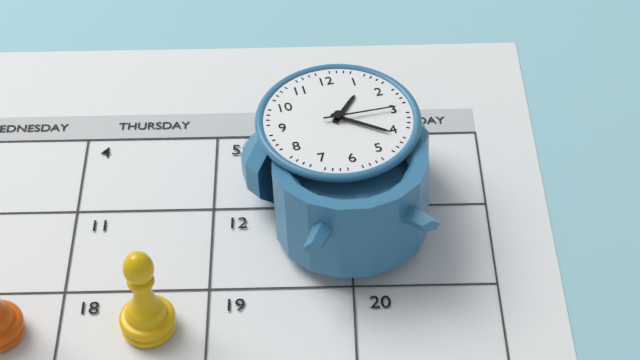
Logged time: 1:21:15
